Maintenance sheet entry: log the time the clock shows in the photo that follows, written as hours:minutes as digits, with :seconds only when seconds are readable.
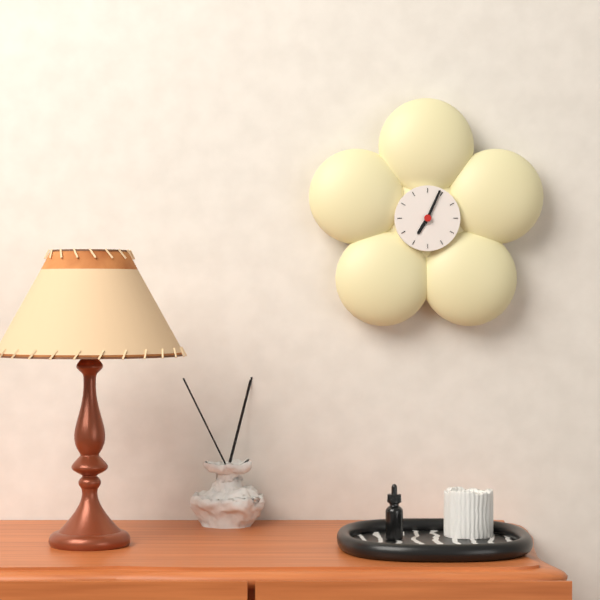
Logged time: 7:04
